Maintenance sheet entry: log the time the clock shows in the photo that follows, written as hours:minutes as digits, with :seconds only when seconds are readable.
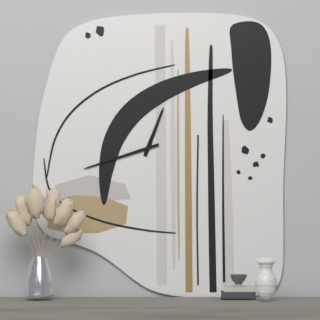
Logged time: 12:42
